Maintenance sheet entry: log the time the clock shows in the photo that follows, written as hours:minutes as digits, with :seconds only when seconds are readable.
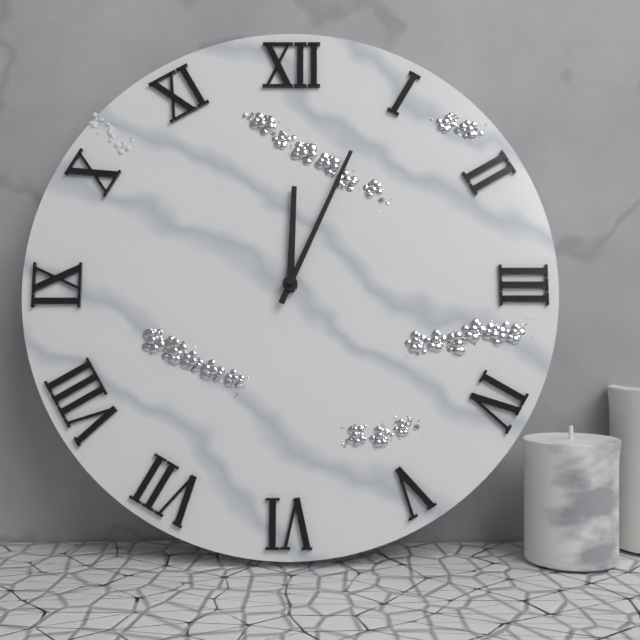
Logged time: 12:04
